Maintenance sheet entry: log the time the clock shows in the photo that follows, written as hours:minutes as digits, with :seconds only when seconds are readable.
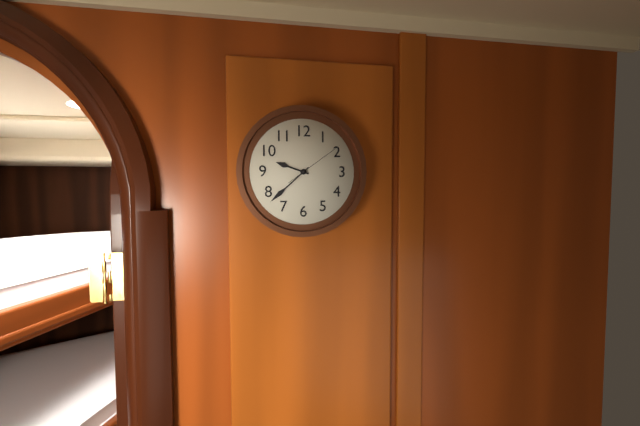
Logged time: 9:38:09
